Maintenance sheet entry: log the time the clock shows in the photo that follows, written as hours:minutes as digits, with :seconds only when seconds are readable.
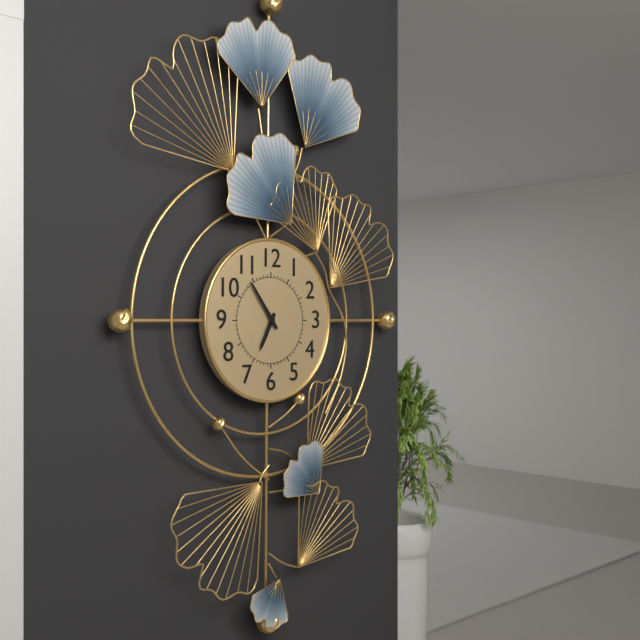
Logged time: 6:54
